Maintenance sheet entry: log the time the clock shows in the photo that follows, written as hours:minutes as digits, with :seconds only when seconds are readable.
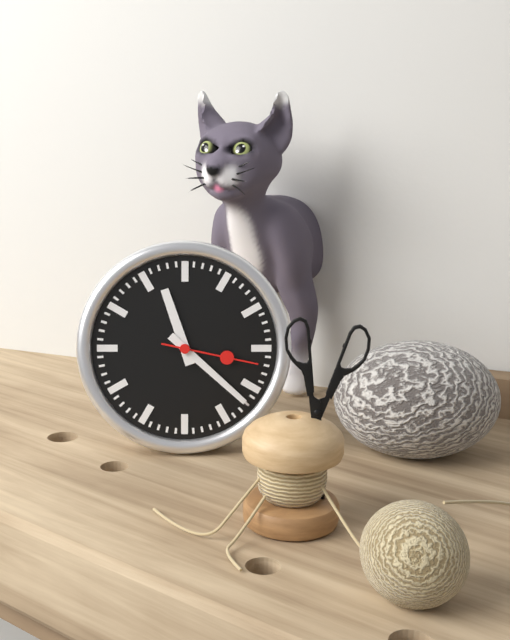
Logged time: 11:22:17
